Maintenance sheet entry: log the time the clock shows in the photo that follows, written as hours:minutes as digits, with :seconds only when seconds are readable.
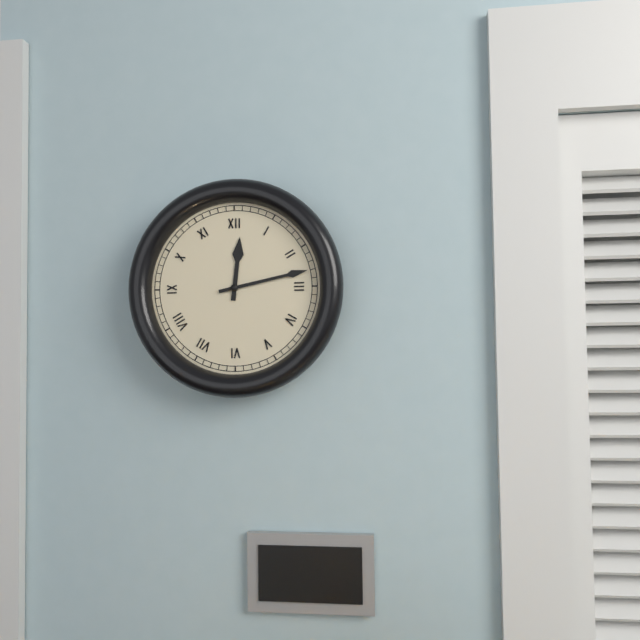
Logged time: 12:13
